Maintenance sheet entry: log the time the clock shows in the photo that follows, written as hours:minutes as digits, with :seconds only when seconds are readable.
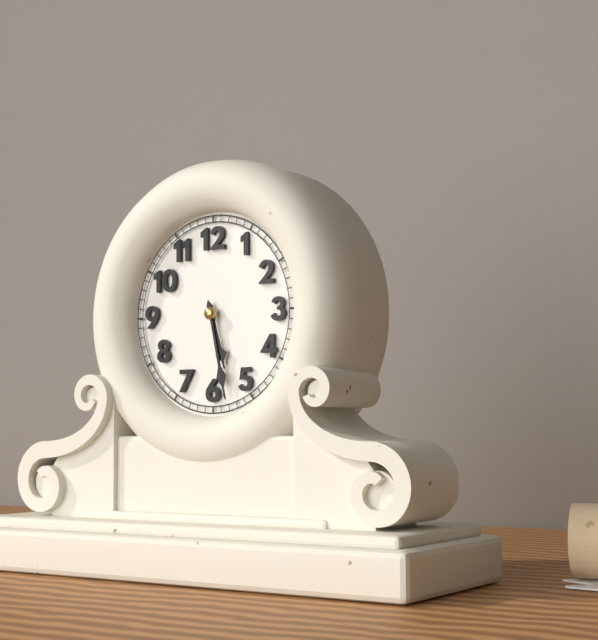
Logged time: 5:28
